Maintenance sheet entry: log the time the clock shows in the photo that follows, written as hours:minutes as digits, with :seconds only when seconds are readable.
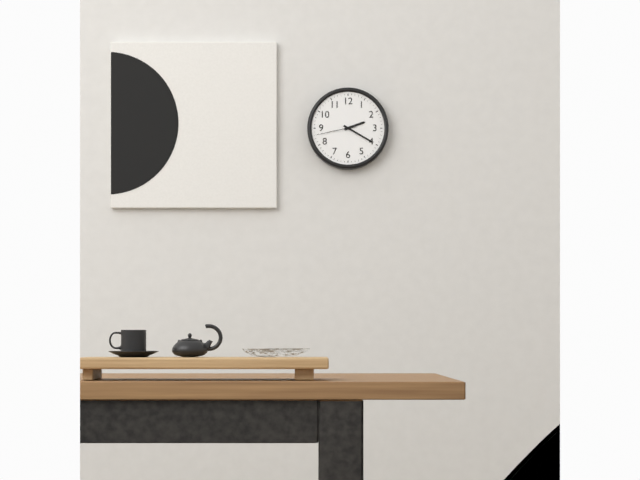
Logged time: 2:20
